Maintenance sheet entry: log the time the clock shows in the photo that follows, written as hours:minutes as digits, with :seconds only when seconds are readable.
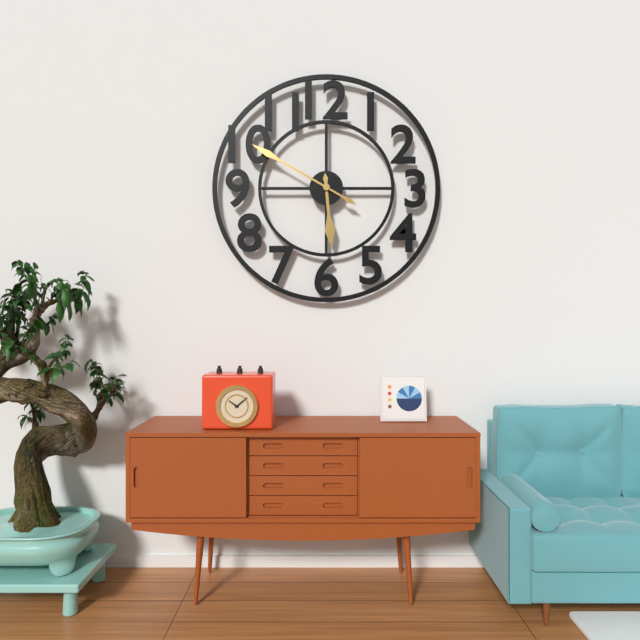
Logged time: 5:50
